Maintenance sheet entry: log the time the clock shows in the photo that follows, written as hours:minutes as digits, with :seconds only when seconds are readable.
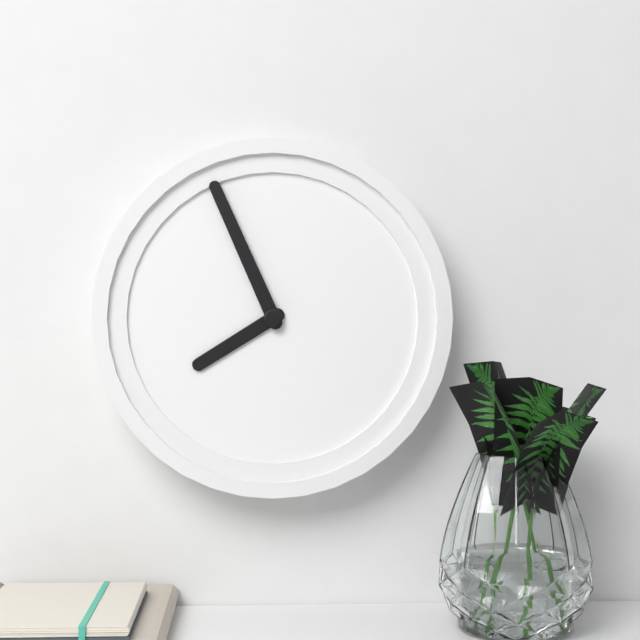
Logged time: 7:56
